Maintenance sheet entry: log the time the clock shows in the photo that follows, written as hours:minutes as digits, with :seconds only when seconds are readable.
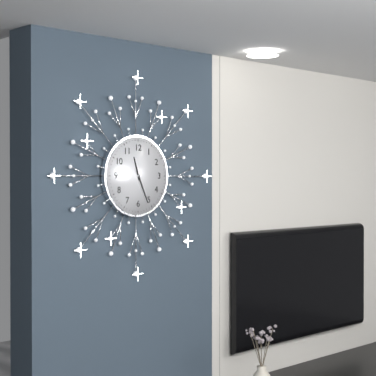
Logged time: 11:26
